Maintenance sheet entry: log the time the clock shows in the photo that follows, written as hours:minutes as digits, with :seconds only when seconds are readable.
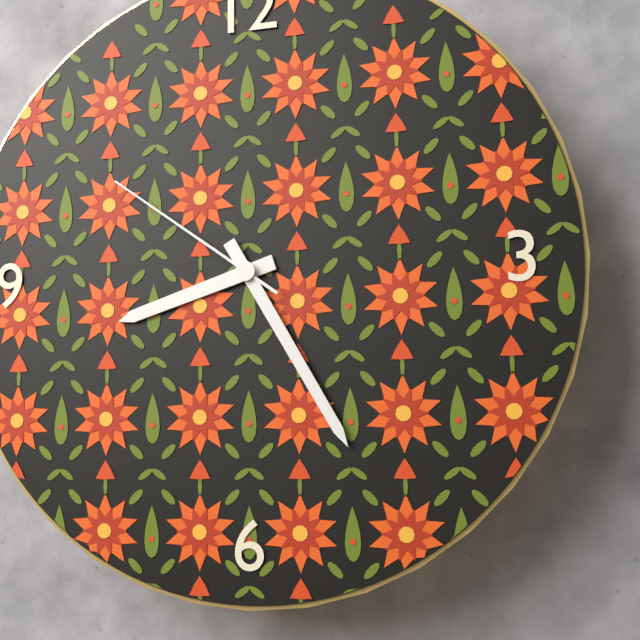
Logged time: 8:25:51
